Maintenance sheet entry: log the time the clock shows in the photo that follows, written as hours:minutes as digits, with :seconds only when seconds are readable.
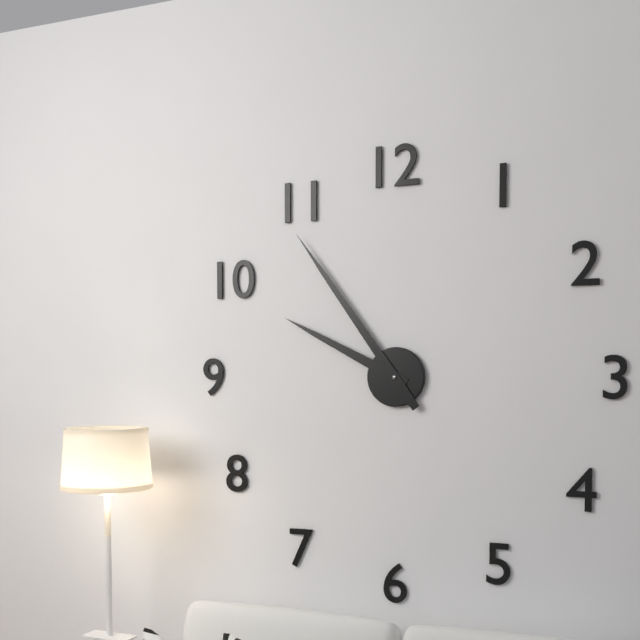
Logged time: 9:54
